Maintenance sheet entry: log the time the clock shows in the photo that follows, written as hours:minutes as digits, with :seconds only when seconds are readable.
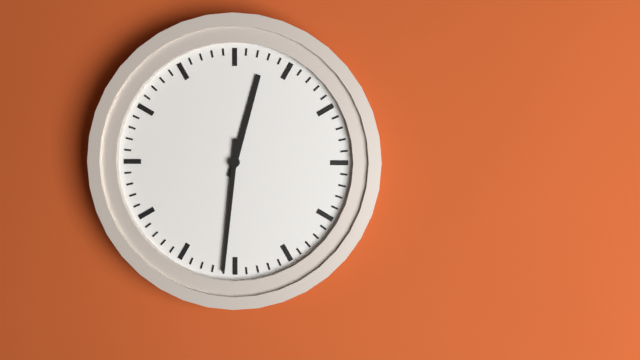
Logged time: 12:31
